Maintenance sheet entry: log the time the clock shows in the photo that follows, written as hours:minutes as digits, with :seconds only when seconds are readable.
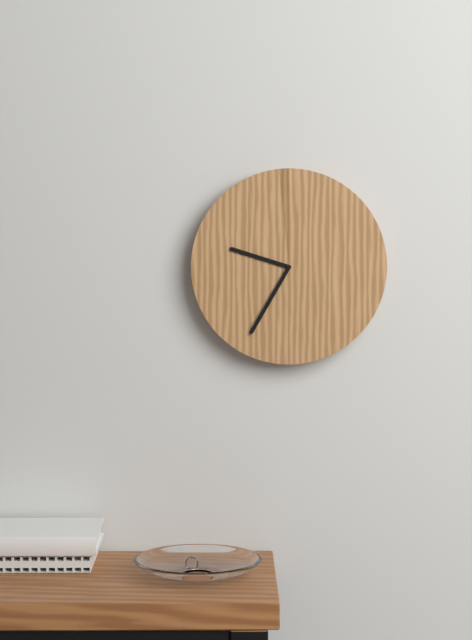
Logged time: 9:35
